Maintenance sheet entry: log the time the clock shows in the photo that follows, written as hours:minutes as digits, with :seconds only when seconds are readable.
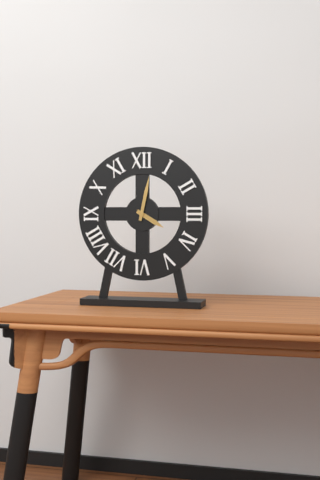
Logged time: 4:02
